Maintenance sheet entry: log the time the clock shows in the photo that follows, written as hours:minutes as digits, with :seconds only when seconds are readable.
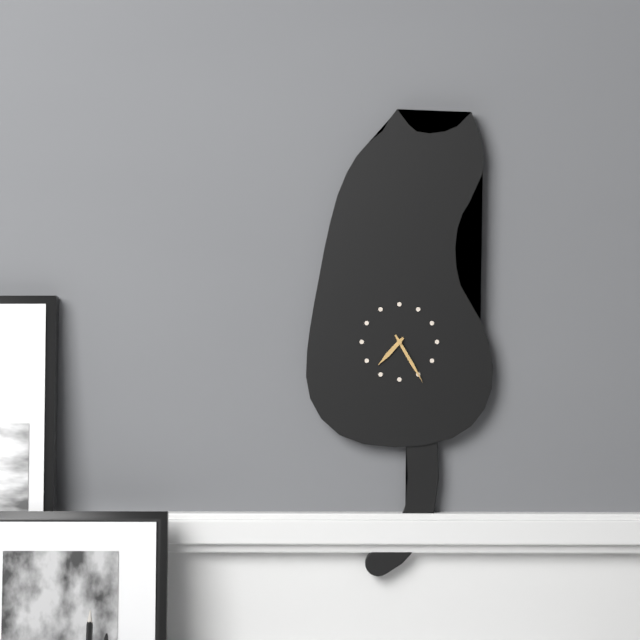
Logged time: 7:25
